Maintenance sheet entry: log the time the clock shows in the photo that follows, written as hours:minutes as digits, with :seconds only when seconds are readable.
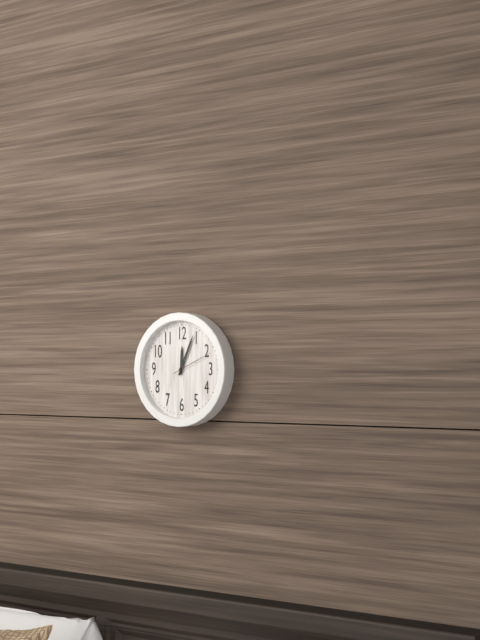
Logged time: 12:04
